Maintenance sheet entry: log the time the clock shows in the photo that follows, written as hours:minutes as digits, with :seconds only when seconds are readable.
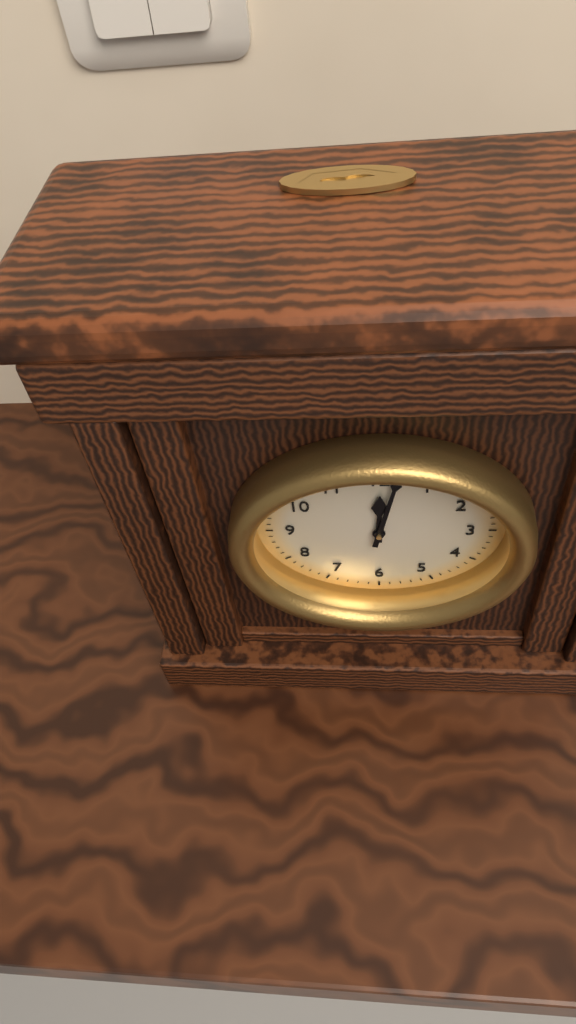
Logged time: 12:02
